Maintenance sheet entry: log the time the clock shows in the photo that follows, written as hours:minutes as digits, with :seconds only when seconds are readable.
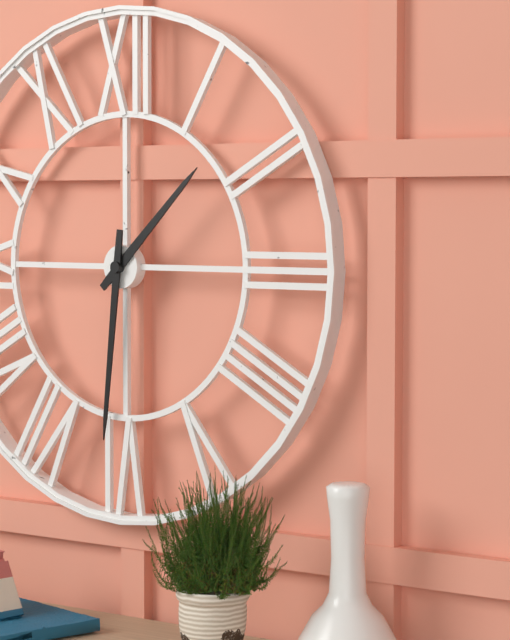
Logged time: 1:31
